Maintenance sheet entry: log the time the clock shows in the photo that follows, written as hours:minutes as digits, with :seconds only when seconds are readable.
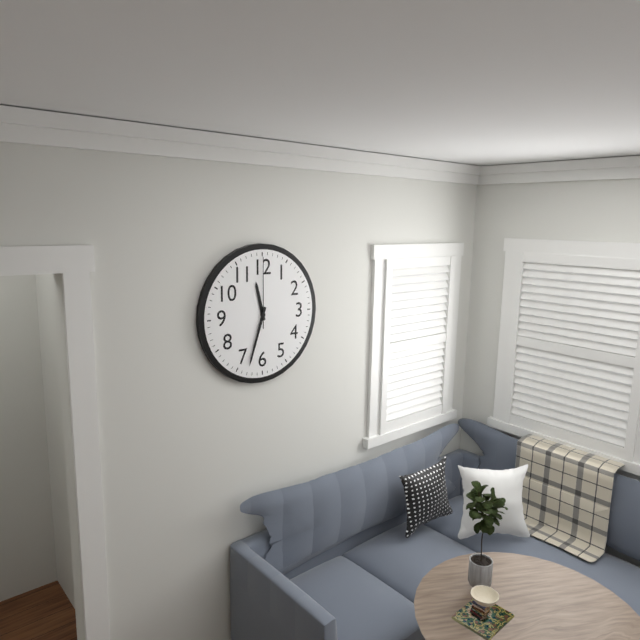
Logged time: 11:33:00
